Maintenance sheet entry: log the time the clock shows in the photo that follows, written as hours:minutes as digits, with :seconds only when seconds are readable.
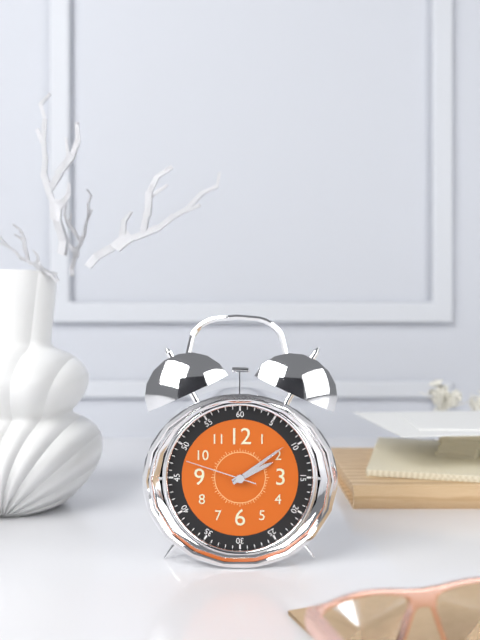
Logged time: 2:09:48
